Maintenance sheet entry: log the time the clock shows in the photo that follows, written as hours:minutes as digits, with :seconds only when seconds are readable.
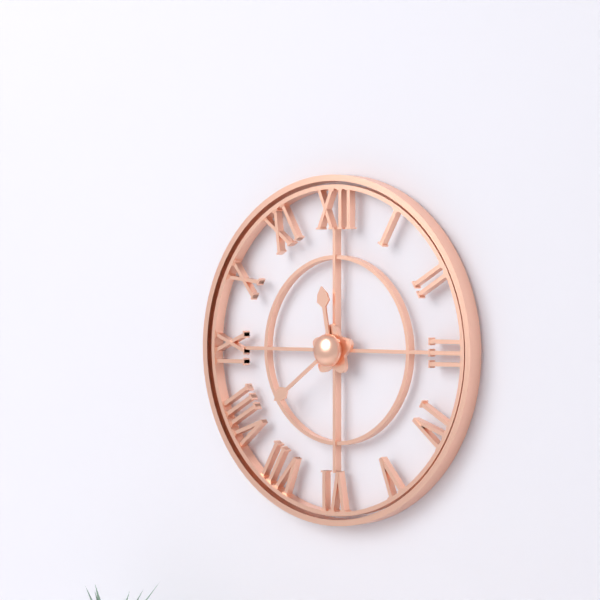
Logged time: 11:39
